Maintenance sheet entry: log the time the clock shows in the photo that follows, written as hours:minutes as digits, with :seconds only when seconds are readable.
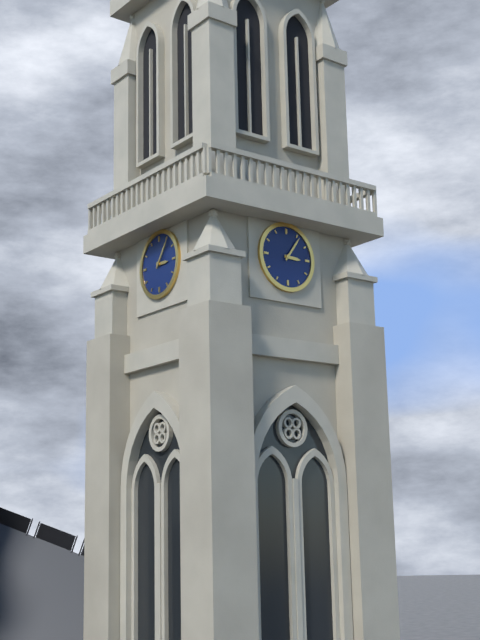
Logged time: 3:06
